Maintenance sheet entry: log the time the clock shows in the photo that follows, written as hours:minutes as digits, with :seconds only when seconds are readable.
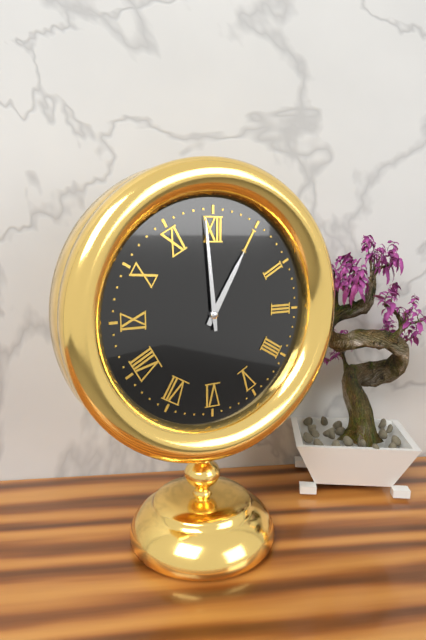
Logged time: 12:59
